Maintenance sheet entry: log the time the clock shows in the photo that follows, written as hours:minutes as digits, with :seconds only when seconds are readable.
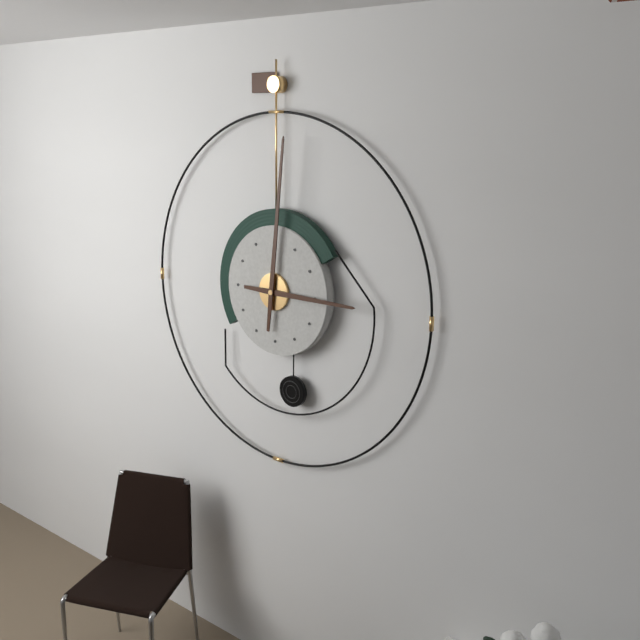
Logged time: 3:01
